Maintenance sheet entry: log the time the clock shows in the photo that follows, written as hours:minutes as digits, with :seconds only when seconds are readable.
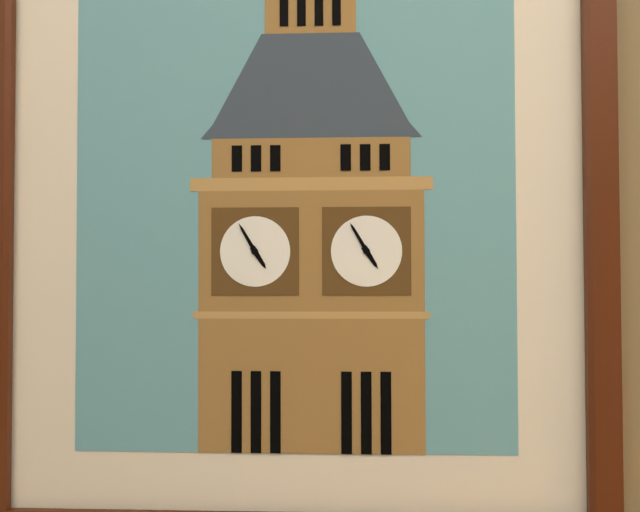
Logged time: 4:55
